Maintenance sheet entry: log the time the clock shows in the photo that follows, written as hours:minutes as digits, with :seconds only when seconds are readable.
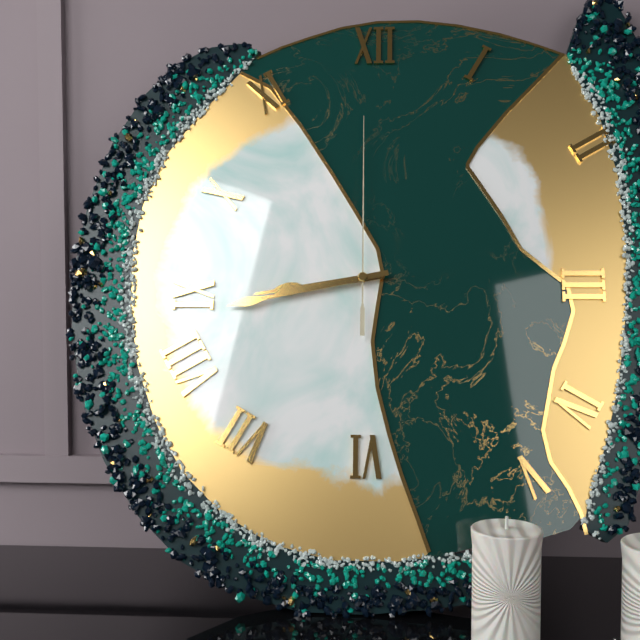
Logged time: 8:43:00
